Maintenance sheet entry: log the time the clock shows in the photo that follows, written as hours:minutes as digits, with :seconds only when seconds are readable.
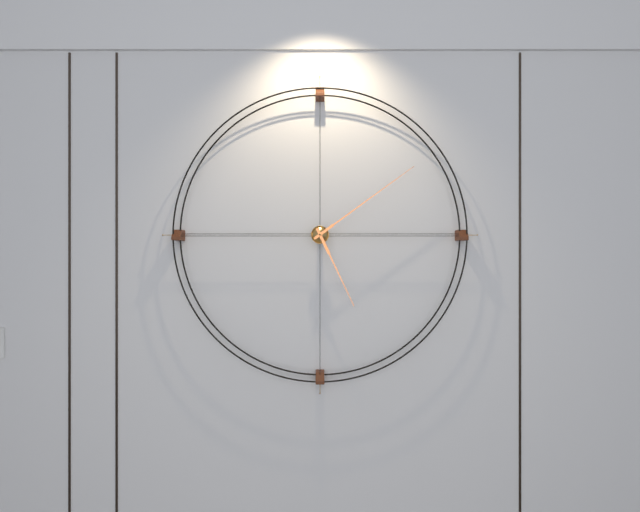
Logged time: 5:09
